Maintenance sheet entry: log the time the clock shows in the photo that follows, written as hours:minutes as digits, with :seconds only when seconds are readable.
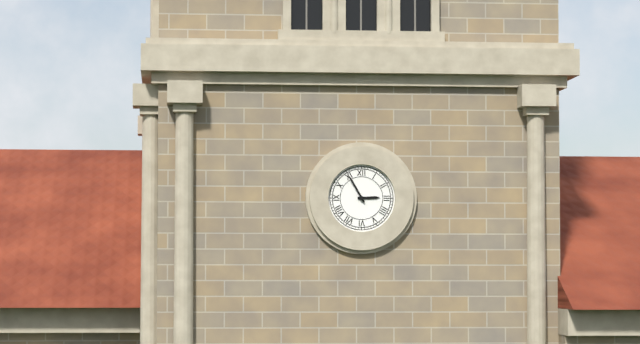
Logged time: 2:55
